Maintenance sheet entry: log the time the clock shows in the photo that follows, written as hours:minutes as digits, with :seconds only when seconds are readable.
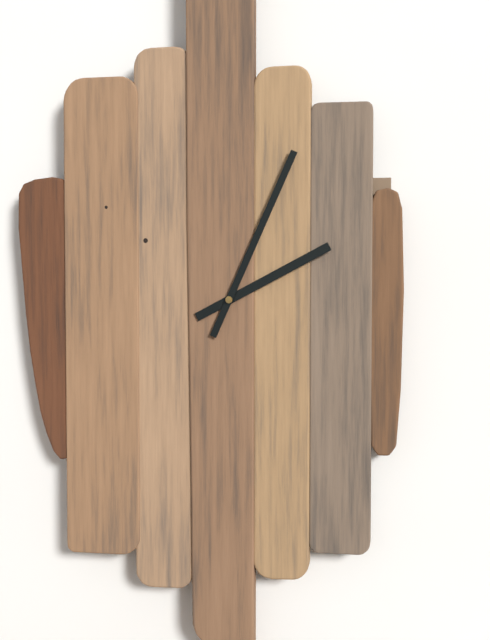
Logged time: 2:04
